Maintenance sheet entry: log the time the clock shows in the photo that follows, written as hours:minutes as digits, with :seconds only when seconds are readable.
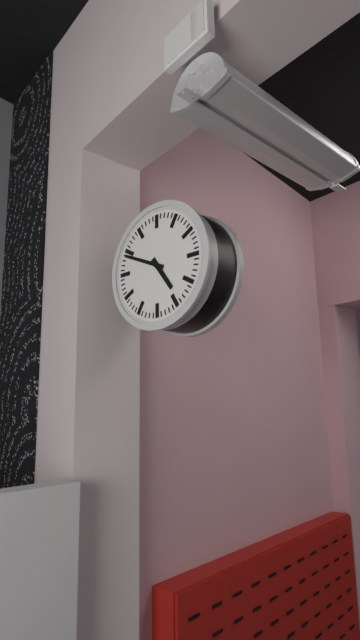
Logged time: 4:49
